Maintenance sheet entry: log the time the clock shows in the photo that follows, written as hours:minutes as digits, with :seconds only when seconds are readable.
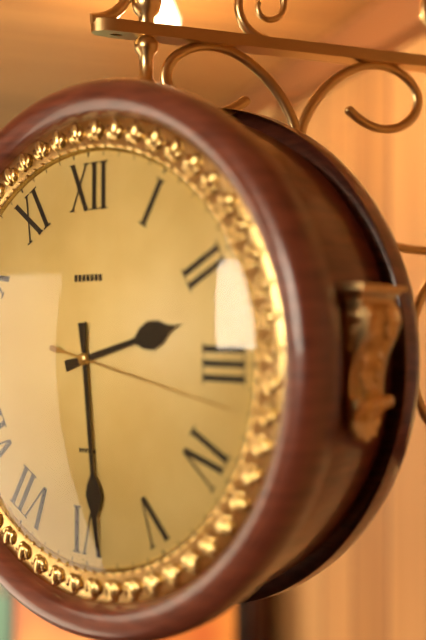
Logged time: 2:29:17
